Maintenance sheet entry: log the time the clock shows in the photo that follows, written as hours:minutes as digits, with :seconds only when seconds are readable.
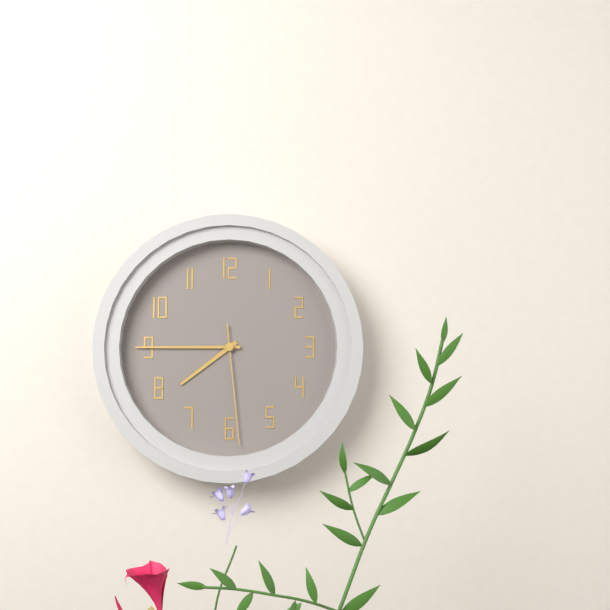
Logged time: 7:45:29
